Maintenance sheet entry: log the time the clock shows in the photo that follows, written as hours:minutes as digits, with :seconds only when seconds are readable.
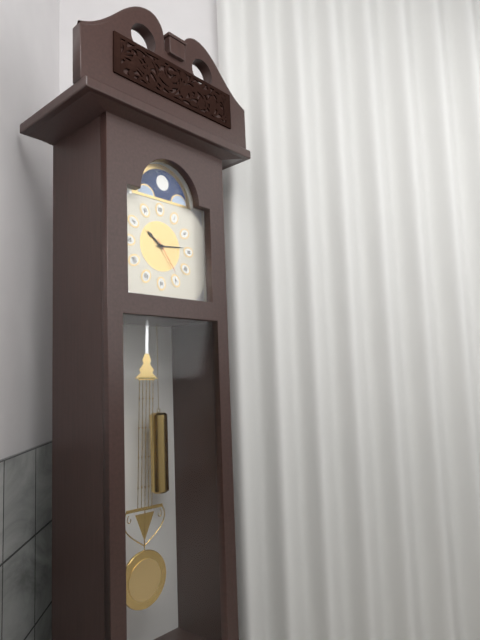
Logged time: 10:14
